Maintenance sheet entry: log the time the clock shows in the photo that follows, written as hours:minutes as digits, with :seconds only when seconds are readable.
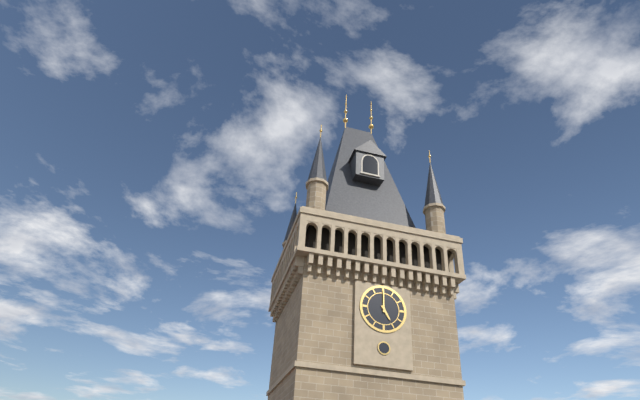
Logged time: 5:00
